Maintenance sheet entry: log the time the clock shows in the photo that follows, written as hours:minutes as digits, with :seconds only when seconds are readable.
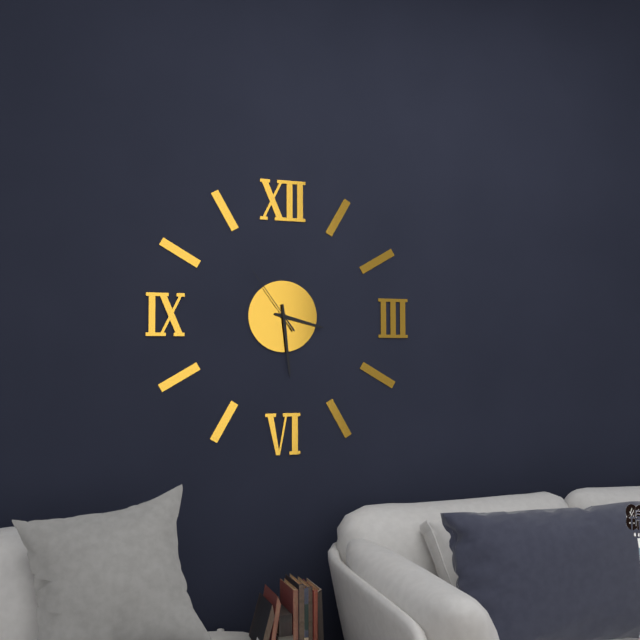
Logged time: 3:29:54
